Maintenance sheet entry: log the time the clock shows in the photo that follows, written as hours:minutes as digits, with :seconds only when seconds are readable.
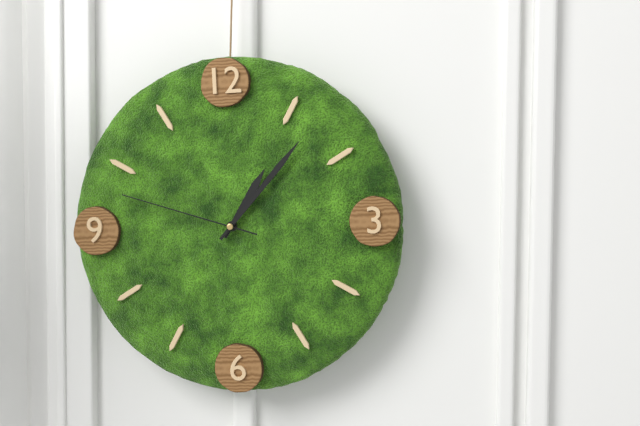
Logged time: 1:07:48
